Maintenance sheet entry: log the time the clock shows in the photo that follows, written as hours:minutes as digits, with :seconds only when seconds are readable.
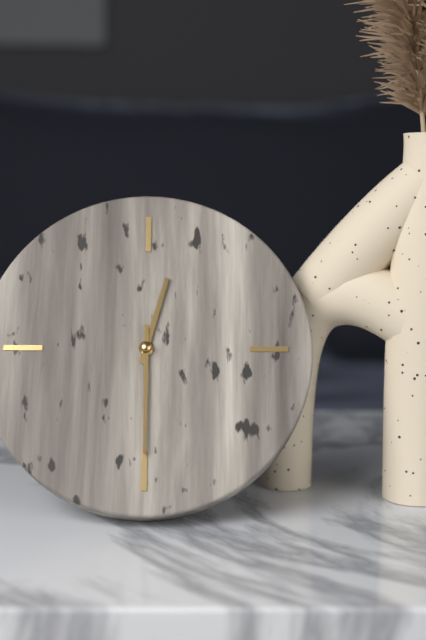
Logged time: 12:30
